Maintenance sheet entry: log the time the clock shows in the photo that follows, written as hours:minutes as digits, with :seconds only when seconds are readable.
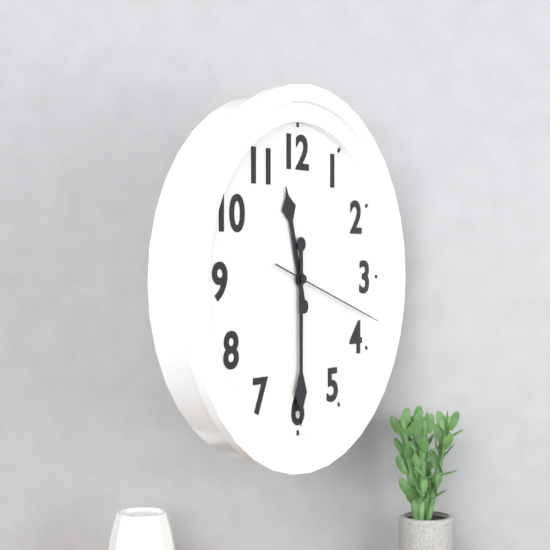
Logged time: 11:30:18
